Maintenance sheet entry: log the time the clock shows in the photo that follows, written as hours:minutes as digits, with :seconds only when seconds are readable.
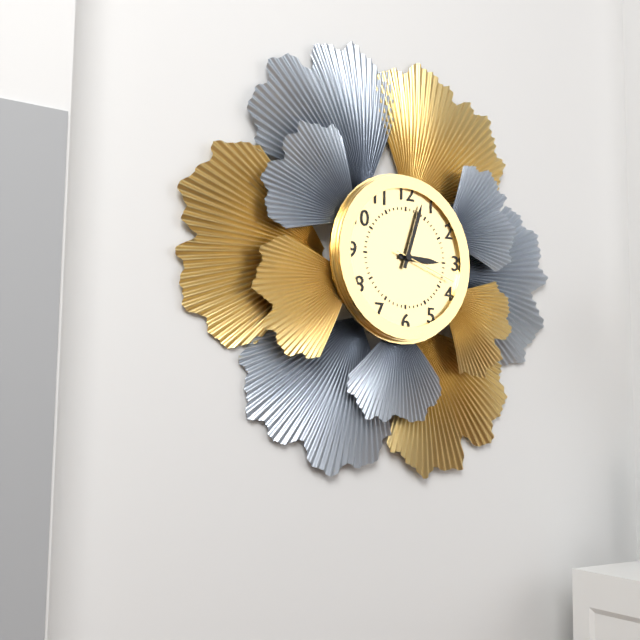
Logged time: 3:03:18
